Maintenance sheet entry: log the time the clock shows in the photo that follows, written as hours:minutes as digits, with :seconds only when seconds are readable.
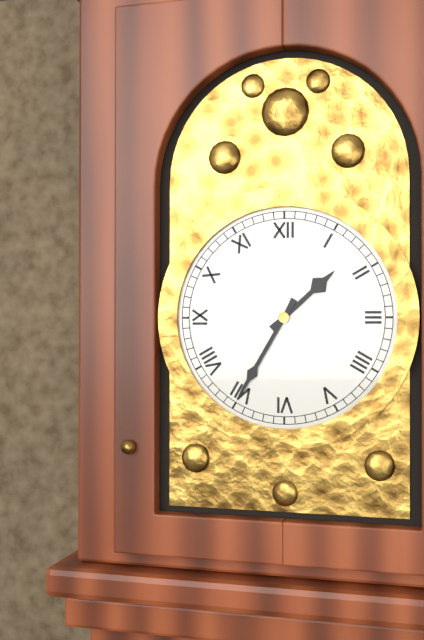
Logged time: 1:35
